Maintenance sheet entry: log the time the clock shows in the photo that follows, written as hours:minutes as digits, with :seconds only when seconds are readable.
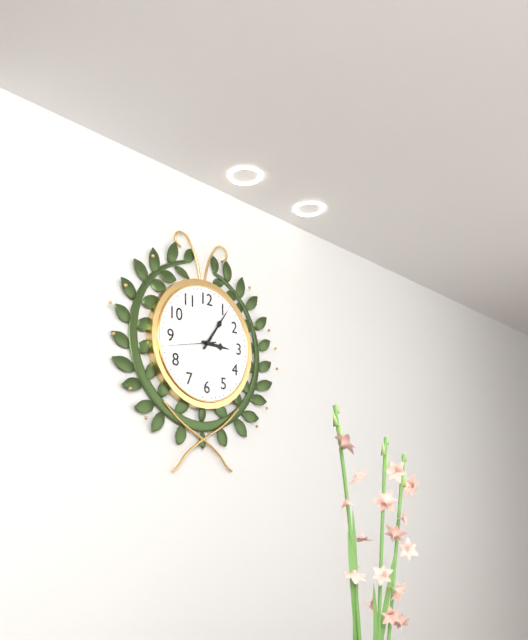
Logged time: 3:06
